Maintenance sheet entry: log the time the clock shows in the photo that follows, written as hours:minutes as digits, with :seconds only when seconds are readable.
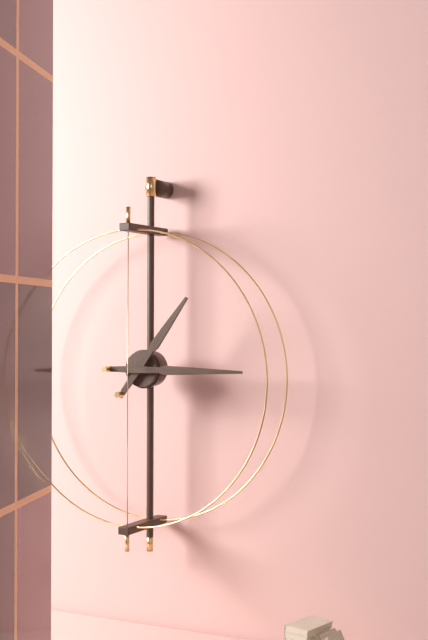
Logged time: 1:15
